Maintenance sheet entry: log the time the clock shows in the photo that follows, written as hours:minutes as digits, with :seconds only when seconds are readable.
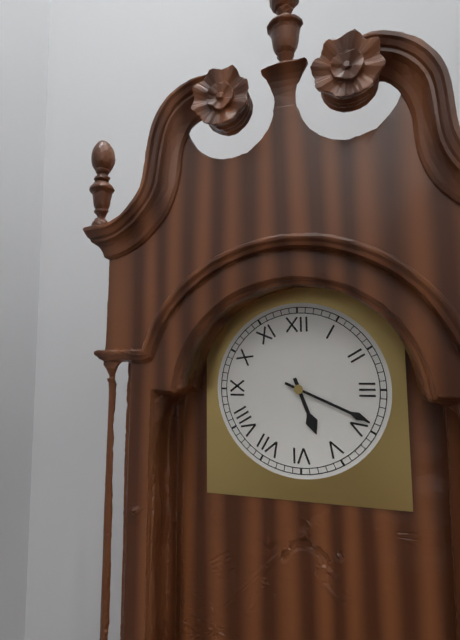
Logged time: 5:19
